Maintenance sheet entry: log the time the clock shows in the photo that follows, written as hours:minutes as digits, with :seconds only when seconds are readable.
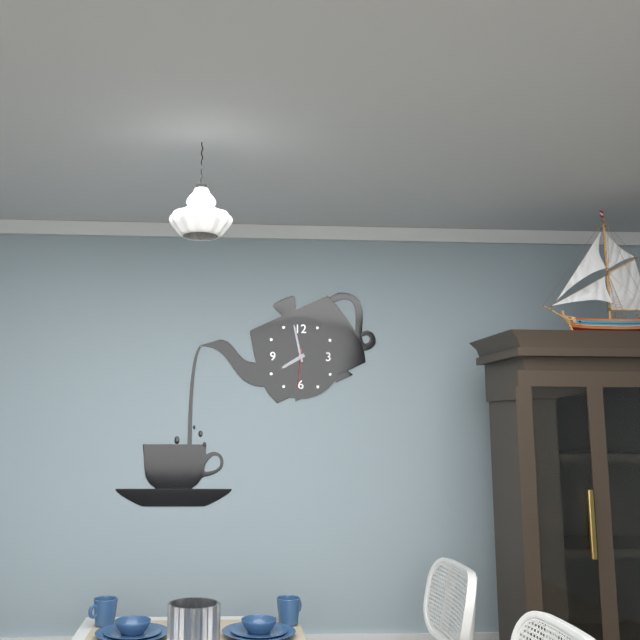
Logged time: 7:58
